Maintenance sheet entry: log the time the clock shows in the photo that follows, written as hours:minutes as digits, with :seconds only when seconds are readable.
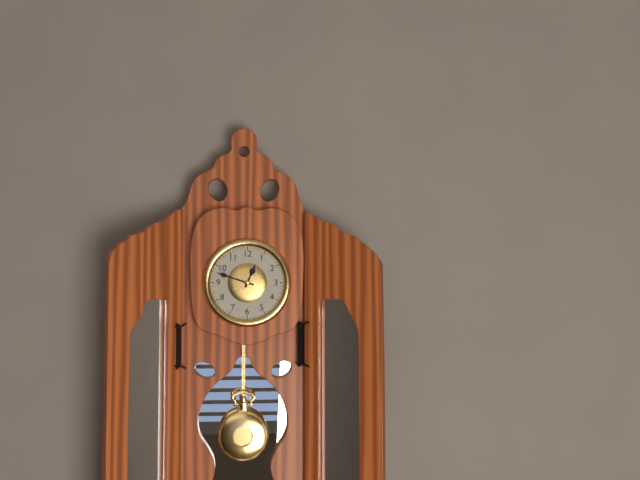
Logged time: 12:48
